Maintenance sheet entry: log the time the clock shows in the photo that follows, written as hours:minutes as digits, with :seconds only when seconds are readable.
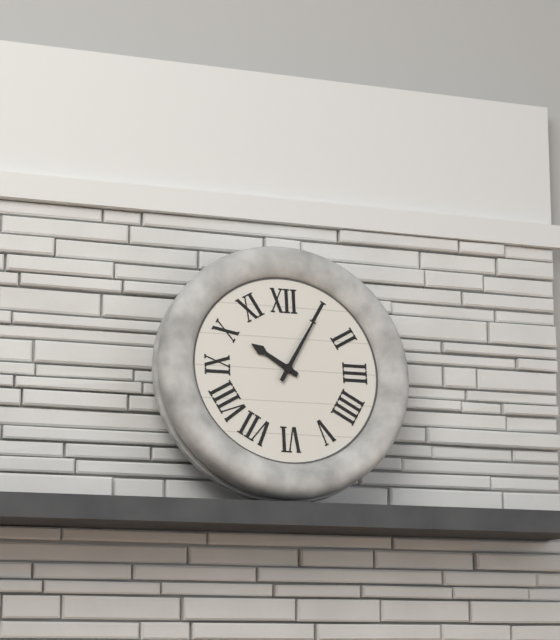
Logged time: 10:05
